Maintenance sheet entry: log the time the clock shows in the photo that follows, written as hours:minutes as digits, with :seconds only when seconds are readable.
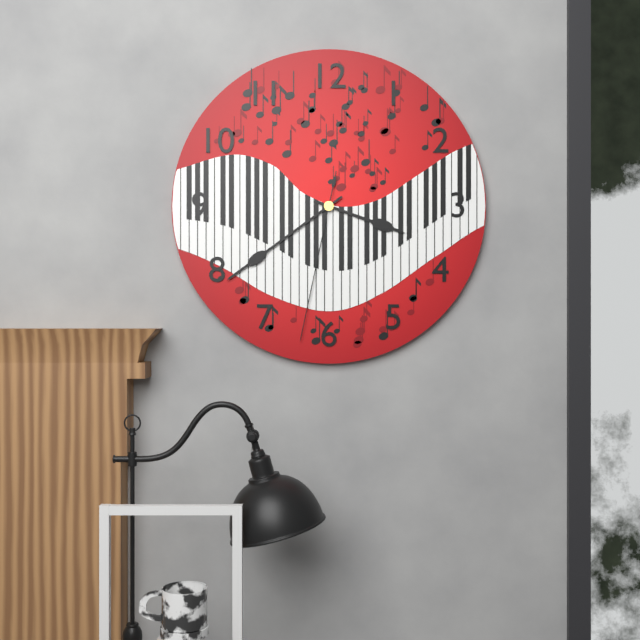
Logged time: 3:39:32
